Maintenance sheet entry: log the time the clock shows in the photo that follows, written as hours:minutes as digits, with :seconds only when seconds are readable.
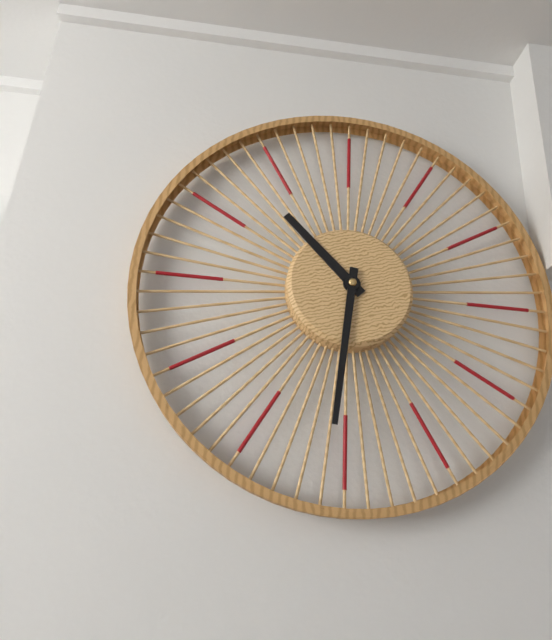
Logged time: 10:31
